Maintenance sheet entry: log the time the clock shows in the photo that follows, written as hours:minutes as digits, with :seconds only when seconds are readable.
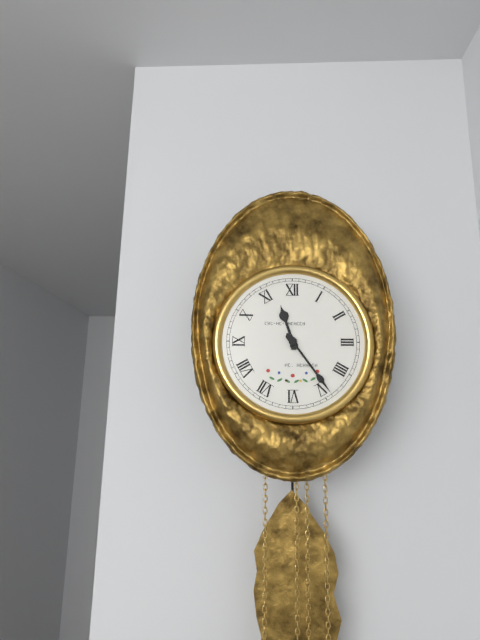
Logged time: 11:24
